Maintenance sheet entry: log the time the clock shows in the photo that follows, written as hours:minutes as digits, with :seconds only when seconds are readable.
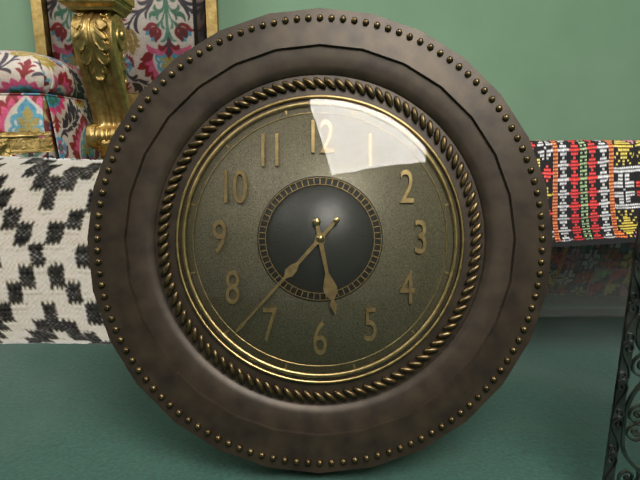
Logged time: 5:37
